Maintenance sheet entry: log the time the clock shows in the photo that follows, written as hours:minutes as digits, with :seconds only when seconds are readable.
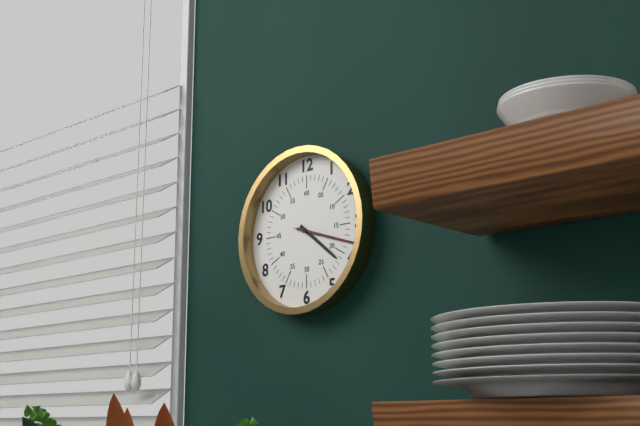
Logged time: 4:18:18
